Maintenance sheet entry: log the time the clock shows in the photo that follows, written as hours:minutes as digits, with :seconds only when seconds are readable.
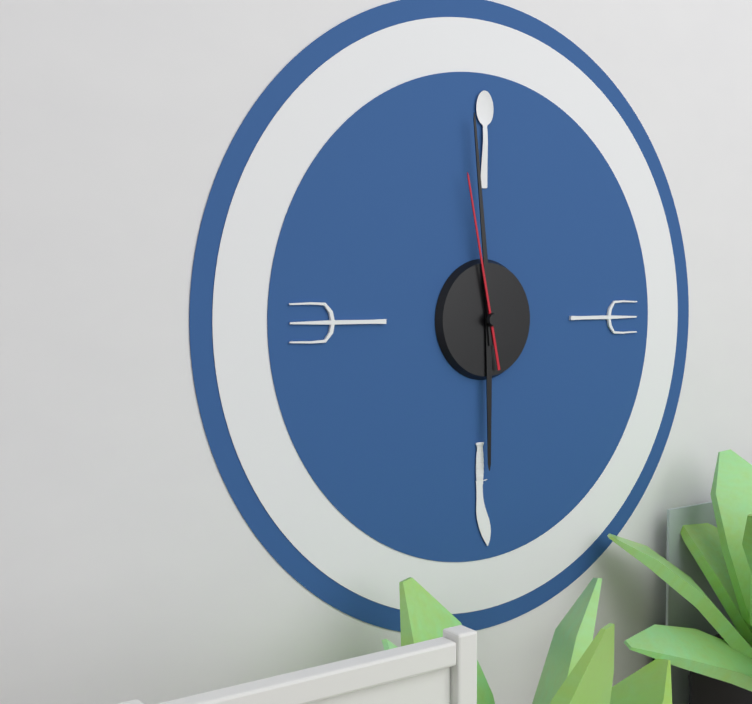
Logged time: 5:59:58
